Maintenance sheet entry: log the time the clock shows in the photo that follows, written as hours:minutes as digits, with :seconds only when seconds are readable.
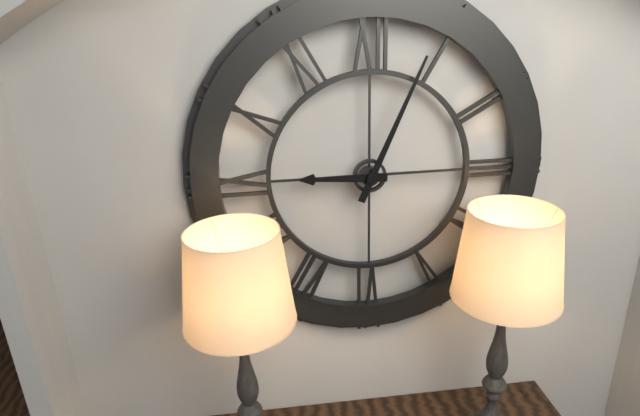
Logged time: 9:04
